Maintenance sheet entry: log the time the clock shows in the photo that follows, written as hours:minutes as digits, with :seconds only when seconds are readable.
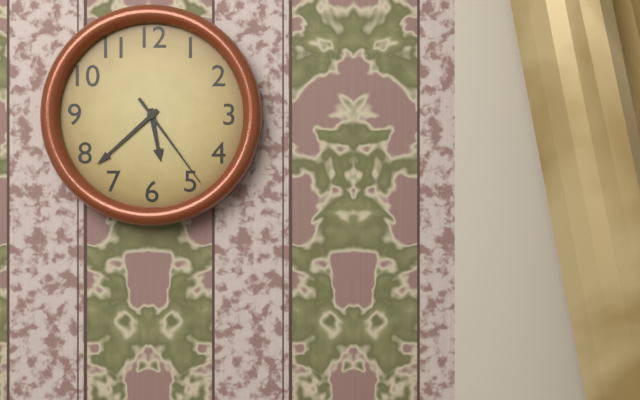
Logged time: 5:38:24
